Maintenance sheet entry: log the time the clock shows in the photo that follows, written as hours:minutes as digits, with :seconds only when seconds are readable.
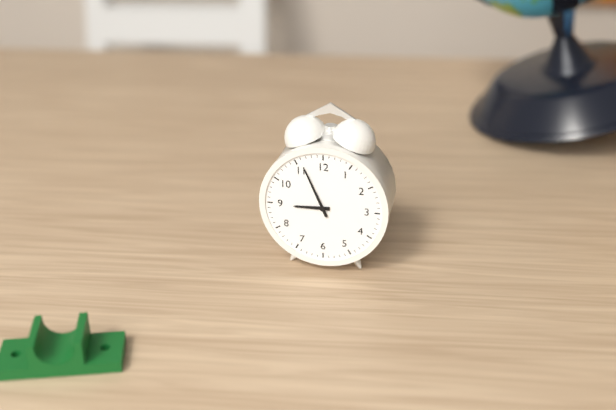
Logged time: 8:56
